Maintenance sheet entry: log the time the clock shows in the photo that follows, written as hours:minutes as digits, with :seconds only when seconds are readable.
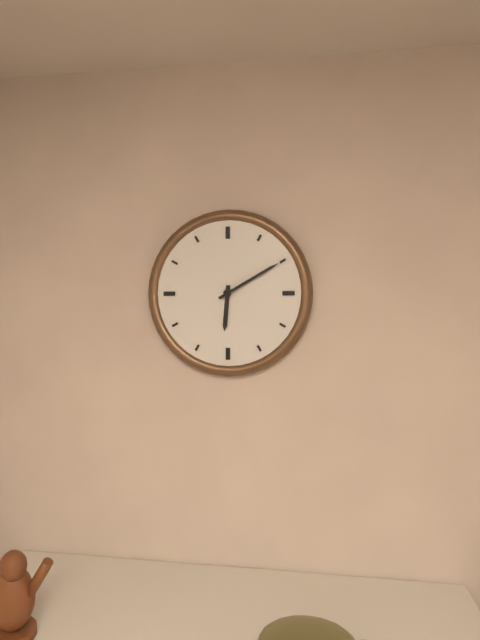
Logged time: 6:10
